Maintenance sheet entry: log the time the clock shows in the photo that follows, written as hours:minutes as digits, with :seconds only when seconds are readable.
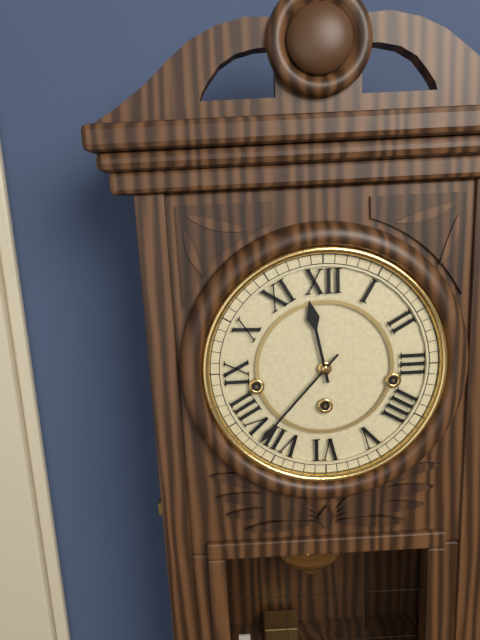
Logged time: 11:37
